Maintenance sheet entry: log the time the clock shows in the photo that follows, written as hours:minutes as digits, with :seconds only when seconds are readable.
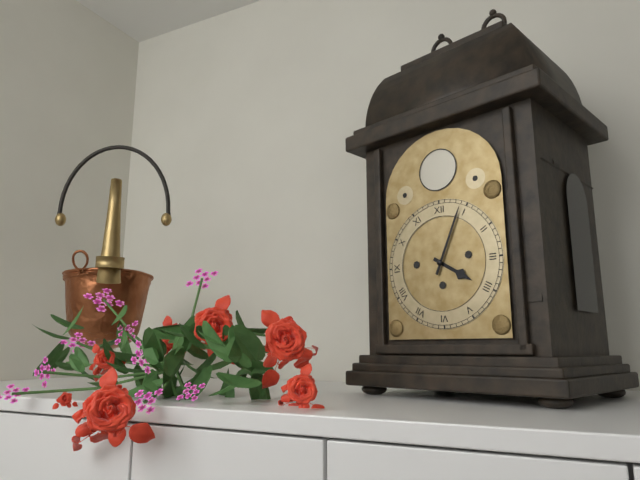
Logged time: 4:04
